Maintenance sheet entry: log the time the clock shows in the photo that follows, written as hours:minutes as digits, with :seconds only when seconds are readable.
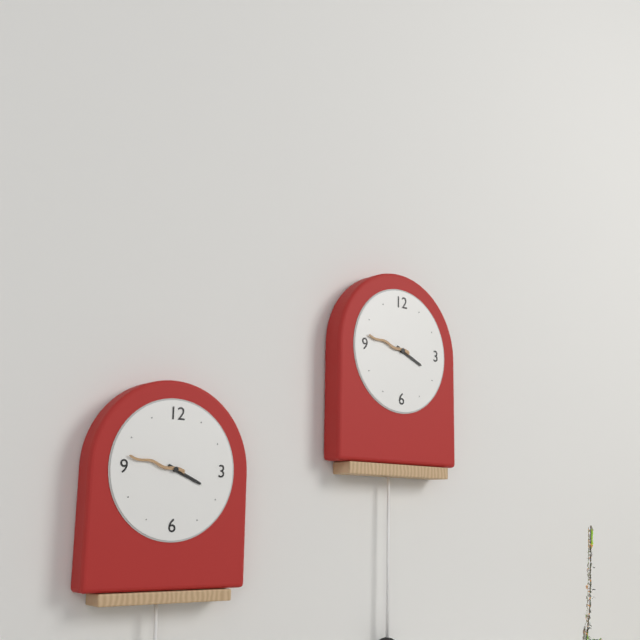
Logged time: 3:47
